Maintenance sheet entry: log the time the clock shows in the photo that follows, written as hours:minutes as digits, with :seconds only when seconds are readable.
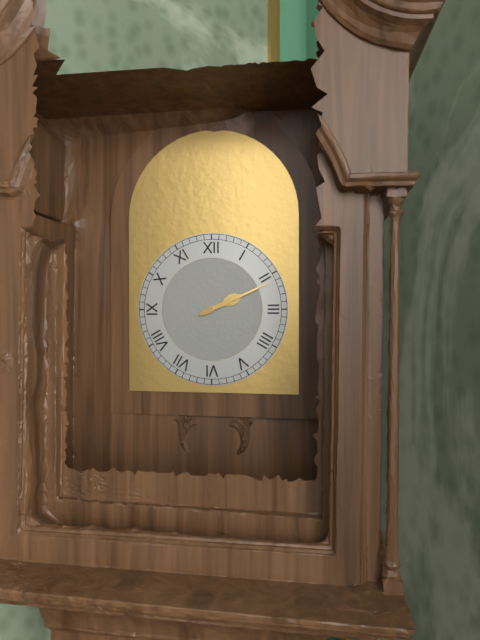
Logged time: 2:11
